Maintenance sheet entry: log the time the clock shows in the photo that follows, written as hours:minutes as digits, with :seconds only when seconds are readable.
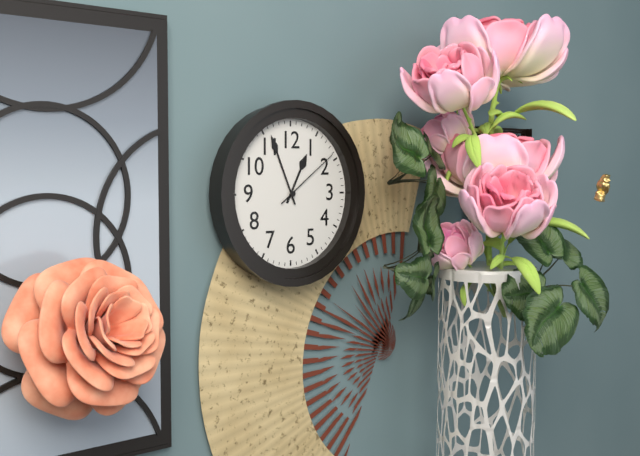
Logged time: 12:56:09
